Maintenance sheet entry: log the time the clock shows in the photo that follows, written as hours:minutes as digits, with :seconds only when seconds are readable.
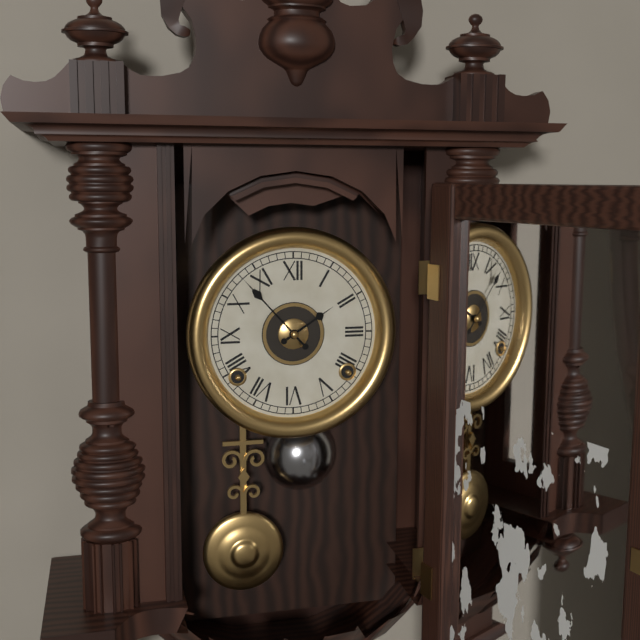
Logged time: 1:53
